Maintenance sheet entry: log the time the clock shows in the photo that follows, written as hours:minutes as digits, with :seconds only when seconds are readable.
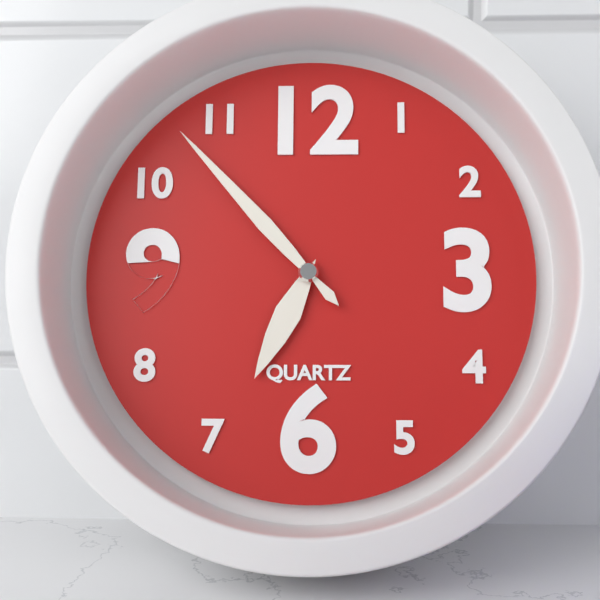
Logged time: 6:53
